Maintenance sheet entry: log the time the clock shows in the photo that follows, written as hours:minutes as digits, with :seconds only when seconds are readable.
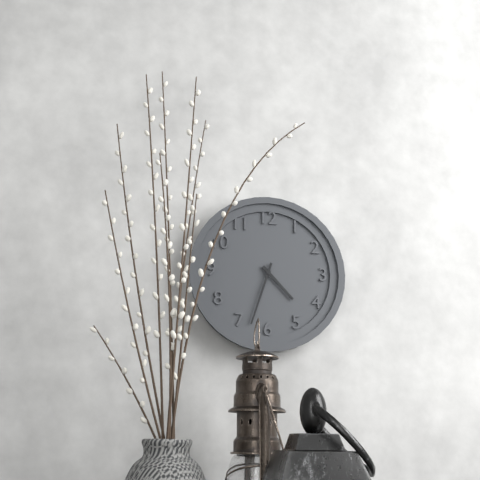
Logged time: 4:33
